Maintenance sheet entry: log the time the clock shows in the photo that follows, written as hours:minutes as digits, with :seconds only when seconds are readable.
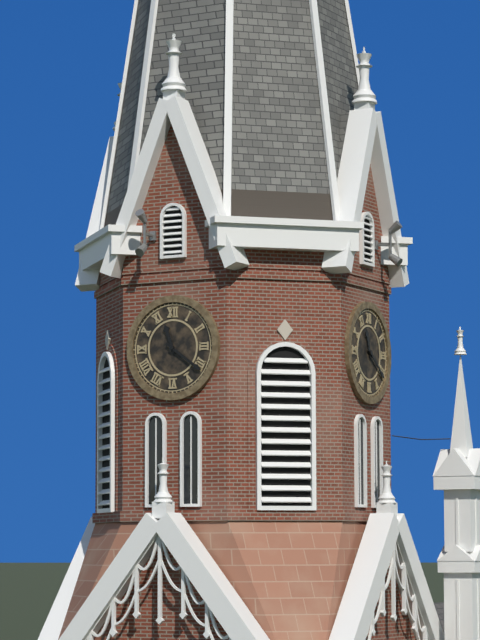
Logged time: 11:21
